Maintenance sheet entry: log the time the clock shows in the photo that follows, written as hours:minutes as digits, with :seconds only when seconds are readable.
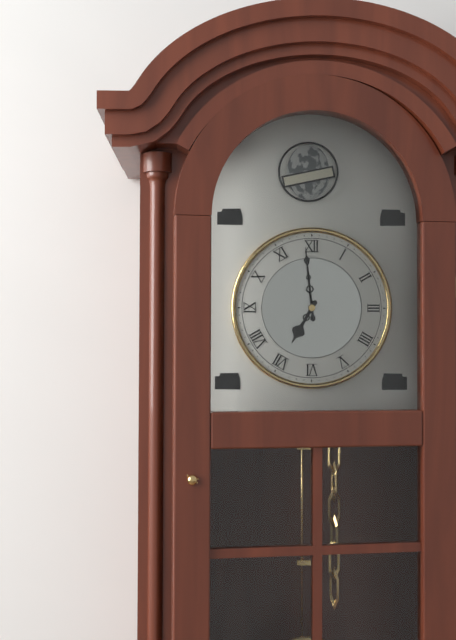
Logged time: 6:59
